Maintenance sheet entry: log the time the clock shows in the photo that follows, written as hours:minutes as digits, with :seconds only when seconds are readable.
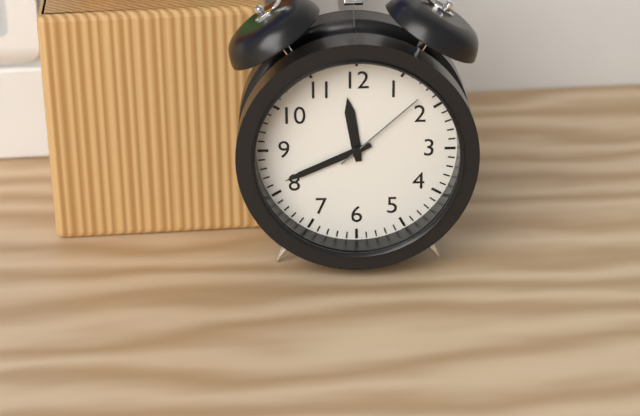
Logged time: 11:41:08
